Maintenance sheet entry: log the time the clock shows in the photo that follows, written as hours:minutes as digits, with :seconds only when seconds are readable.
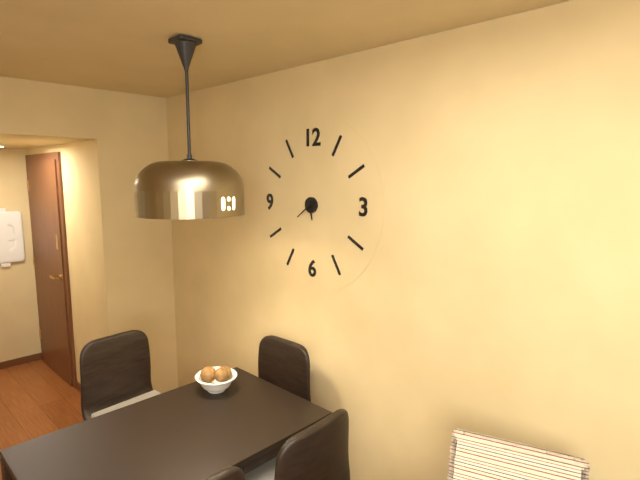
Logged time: 5:39
